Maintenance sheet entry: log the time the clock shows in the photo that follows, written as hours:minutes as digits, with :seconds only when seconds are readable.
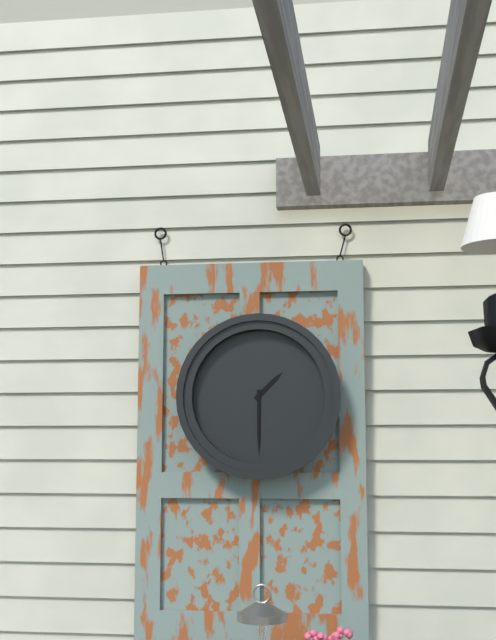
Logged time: 1:30
